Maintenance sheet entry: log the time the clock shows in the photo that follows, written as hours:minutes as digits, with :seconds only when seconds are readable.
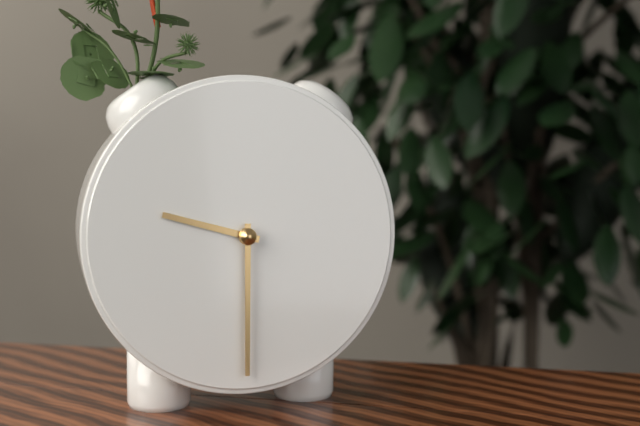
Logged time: 9:30
